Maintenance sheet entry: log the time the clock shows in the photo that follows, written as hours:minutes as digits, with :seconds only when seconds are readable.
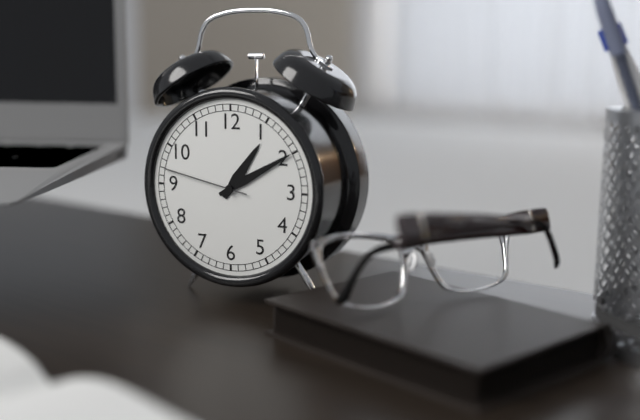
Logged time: 1:10:47
